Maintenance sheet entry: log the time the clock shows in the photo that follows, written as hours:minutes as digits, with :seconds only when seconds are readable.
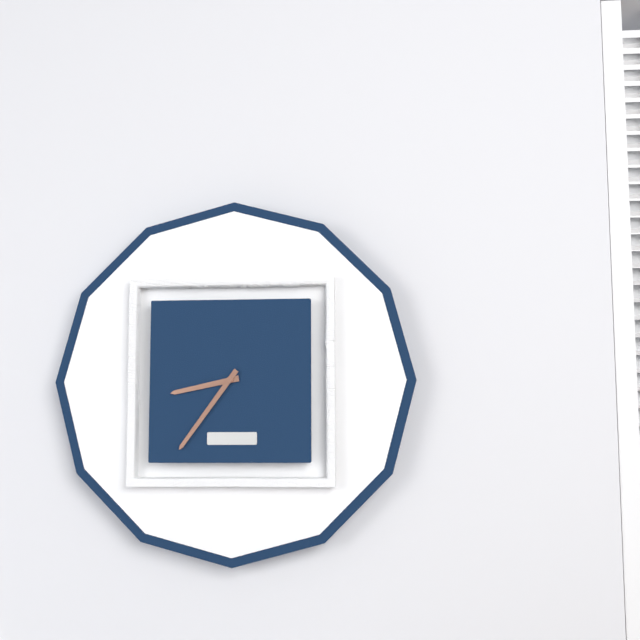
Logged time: 8:36
